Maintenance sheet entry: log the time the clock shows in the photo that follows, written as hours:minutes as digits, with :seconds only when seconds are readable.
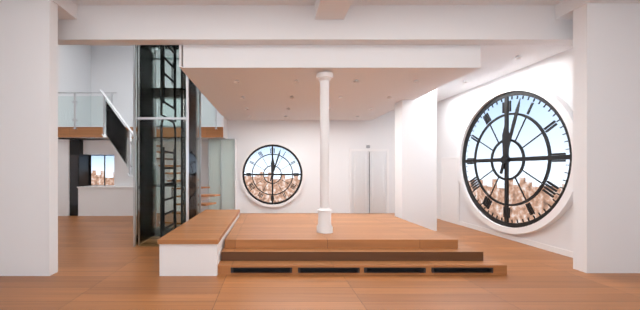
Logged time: 12:03
